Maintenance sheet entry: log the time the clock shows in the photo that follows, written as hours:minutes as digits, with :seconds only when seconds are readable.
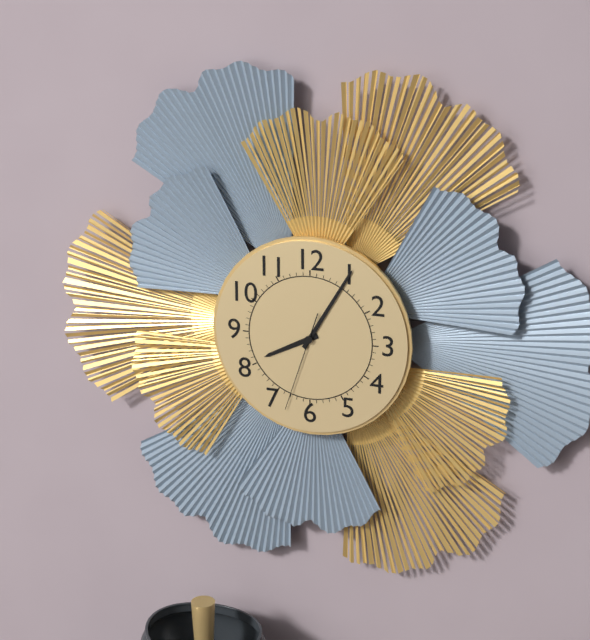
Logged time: 8:05:33
